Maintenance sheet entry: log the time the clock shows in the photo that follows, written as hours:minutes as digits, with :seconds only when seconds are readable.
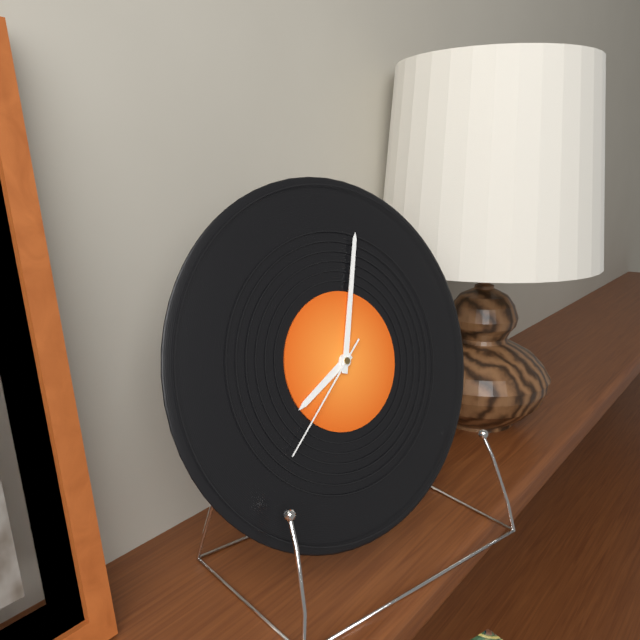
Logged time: 8:03:38
